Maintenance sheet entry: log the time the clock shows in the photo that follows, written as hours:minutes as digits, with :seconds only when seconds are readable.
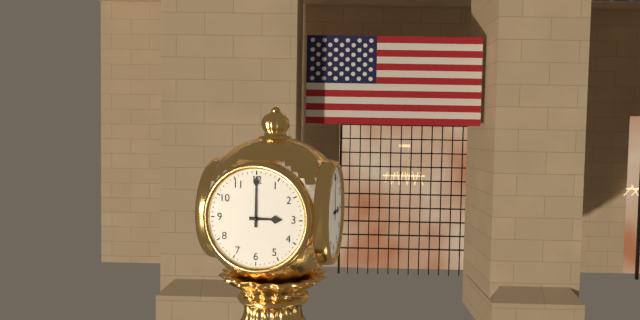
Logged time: 3:00
